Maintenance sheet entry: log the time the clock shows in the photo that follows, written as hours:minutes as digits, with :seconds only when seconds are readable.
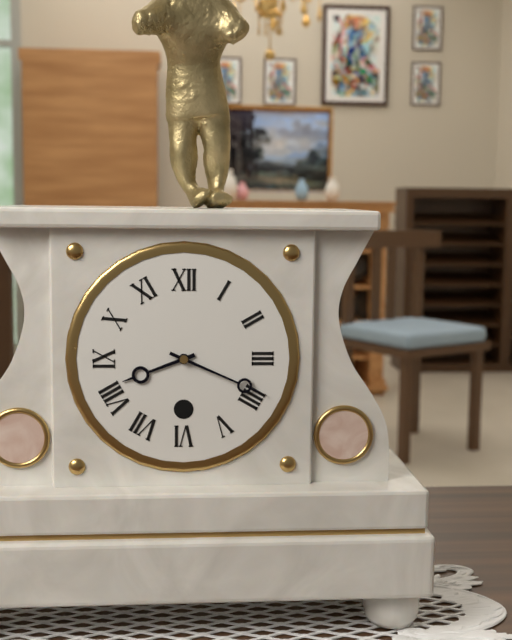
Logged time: 8:19
